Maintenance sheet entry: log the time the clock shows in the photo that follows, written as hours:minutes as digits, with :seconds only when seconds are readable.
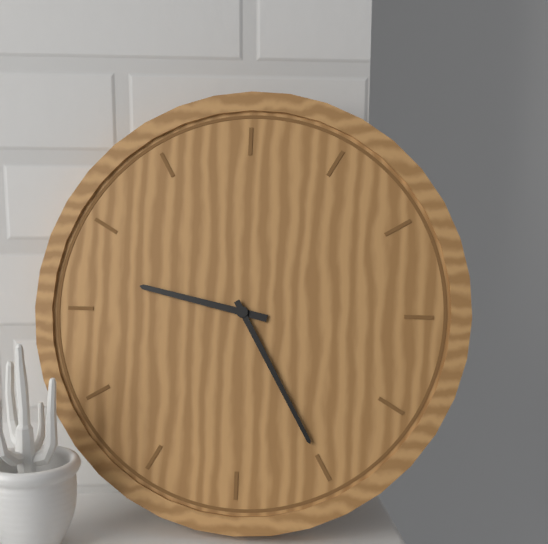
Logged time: 9:25
